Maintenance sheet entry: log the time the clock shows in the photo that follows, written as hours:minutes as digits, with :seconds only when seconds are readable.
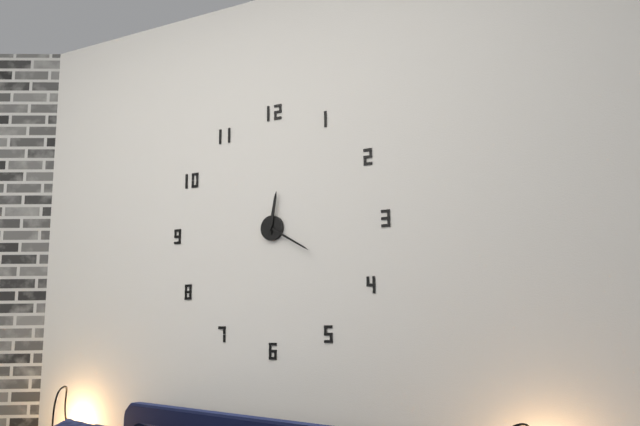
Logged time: 12:20
